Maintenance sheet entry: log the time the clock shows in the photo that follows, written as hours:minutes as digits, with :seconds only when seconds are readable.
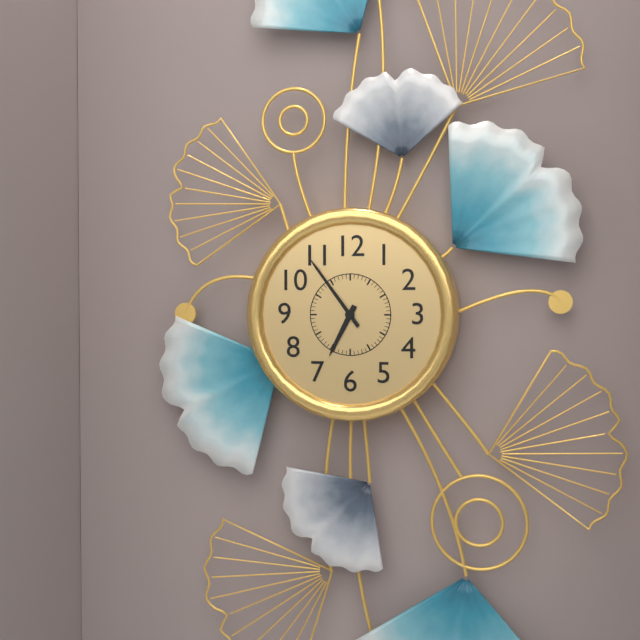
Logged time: 6:54
